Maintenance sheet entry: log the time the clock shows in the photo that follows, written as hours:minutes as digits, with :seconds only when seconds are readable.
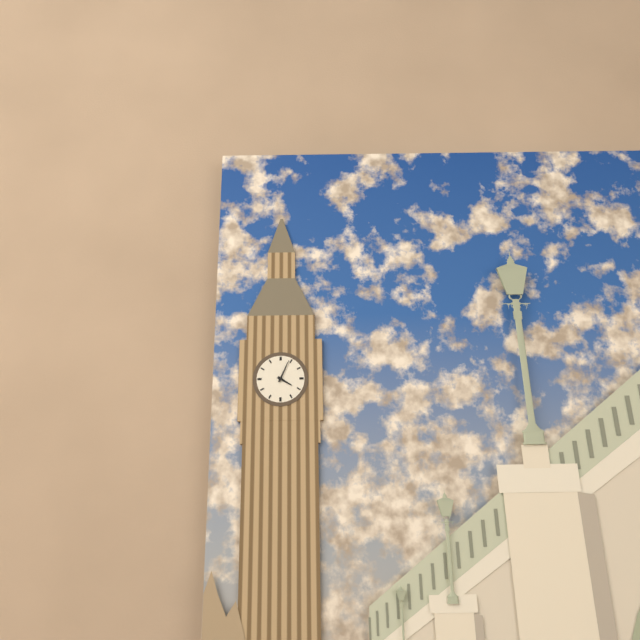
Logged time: 4:04
